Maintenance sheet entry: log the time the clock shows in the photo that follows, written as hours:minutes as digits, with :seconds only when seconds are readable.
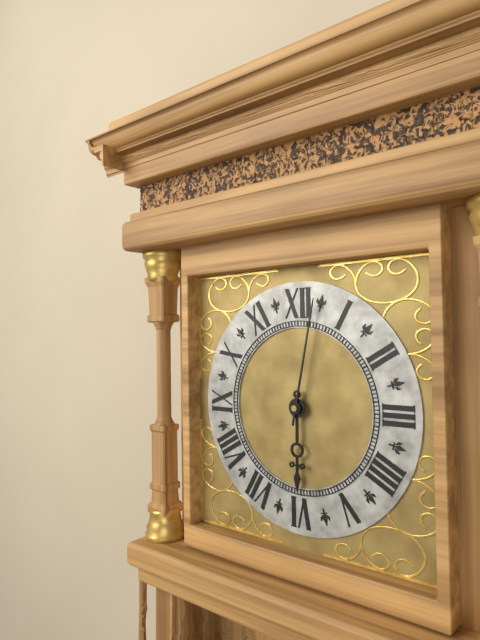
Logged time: 6:02
